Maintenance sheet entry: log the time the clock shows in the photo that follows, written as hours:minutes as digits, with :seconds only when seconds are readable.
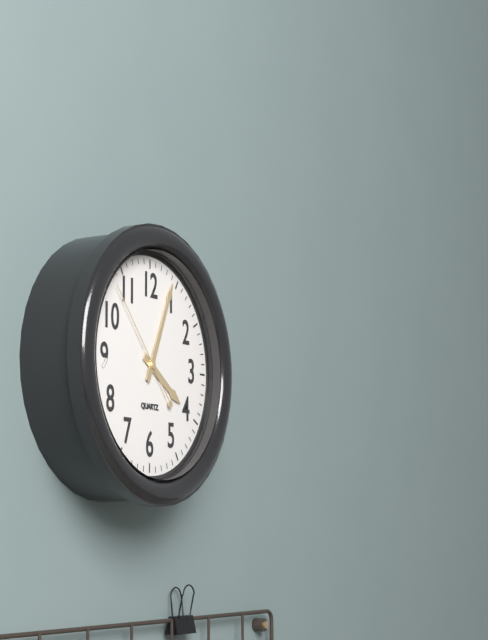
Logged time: 4:04:53
